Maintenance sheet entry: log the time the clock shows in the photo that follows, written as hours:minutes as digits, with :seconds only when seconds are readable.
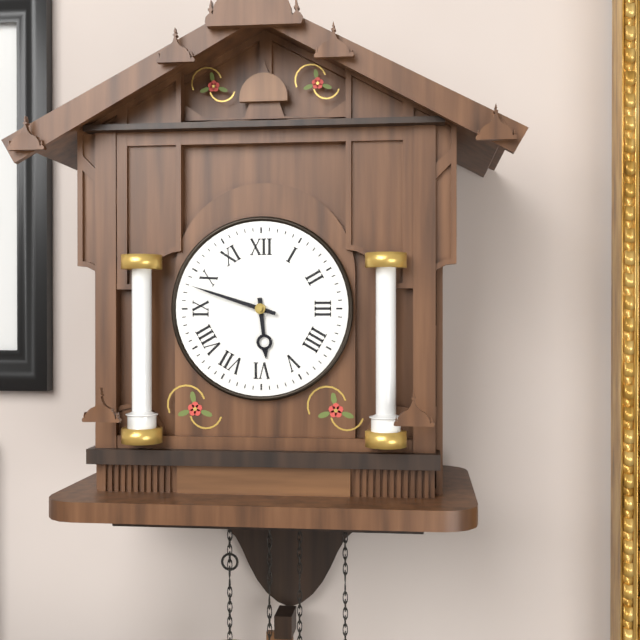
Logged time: 5:48
